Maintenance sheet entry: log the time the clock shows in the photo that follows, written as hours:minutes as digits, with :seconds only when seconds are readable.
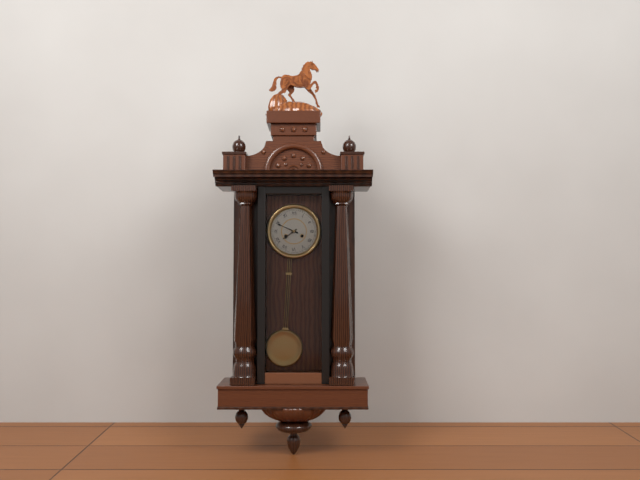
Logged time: 7:49
